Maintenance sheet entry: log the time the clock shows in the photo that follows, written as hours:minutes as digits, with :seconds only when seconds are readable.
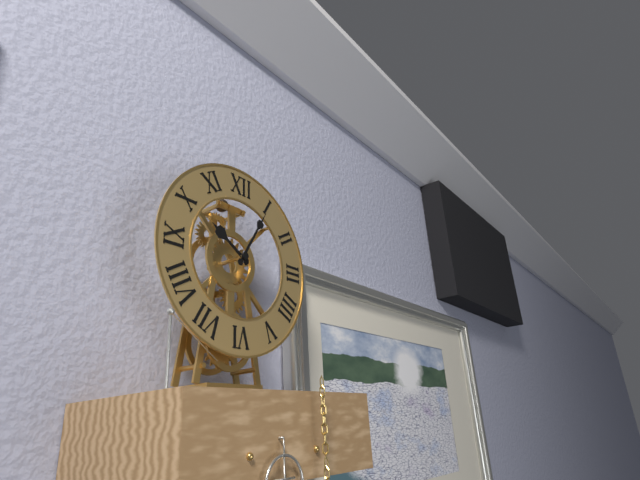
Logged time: 10:05
